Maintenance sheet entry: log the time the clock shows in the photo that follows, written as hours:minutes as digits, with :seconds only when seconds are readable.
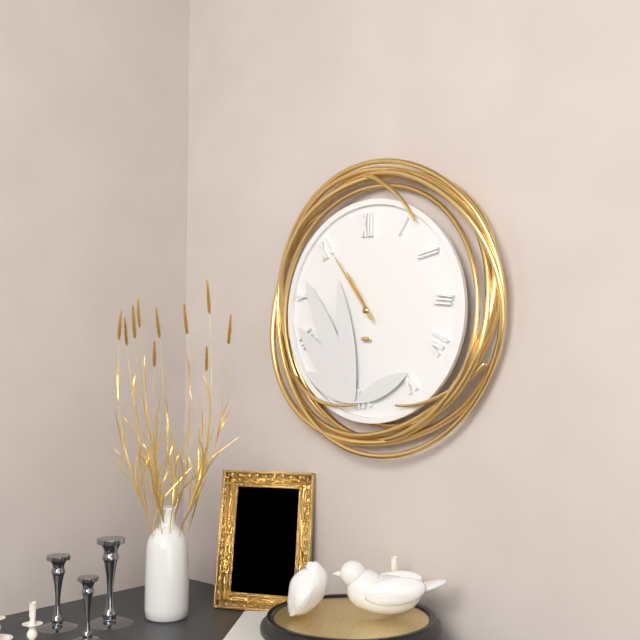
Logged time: 10:54
